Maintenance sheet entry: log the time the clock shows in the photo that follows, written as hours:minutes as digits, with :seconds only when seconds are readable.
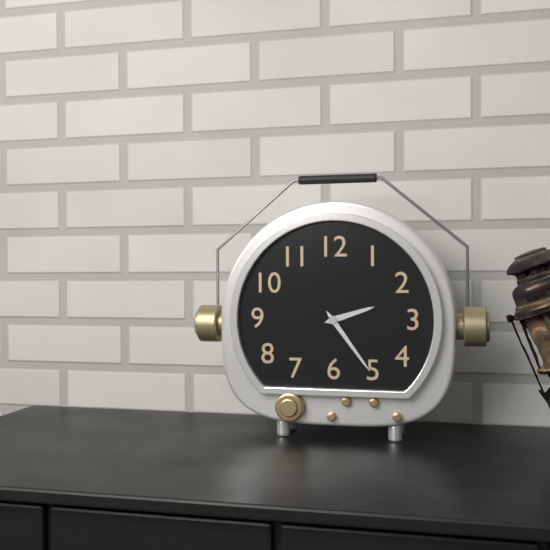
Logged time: 2:24
